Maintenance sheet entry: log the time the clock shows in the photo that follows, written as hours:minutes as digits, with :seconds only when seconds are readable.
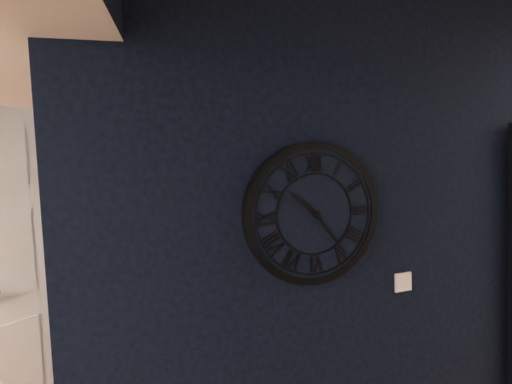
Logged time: 10:24
